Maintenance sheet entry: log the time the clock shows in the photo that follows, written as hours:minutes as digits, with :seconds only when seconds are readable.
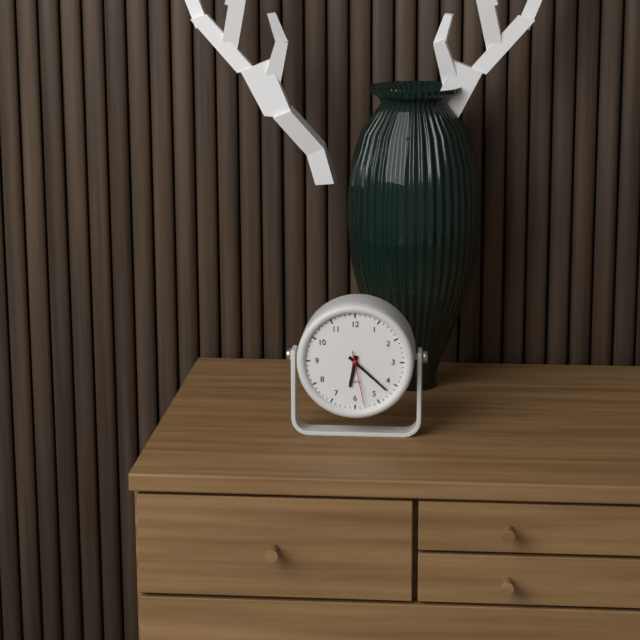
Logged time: 6:22:28
